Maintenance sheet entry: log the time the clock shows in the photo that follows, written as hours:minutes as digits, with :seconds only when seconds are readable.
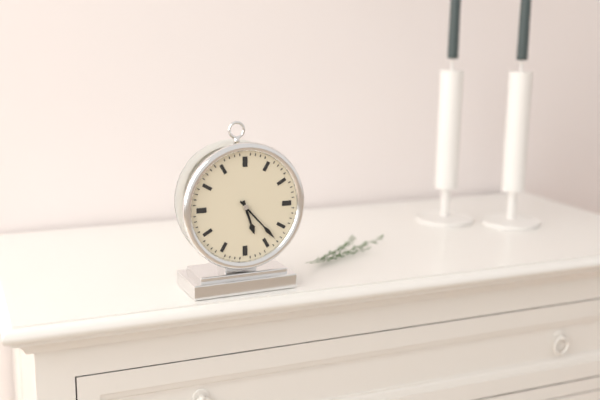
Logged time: 5:23
